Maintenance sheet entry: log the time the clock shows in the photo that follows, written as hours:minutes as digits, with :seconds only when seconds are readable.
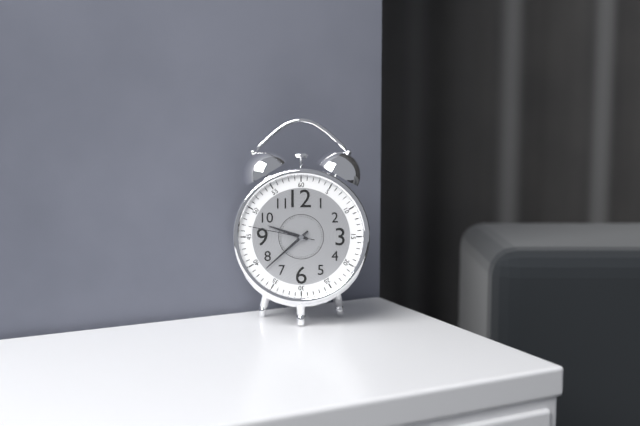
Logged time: 9:38:47
